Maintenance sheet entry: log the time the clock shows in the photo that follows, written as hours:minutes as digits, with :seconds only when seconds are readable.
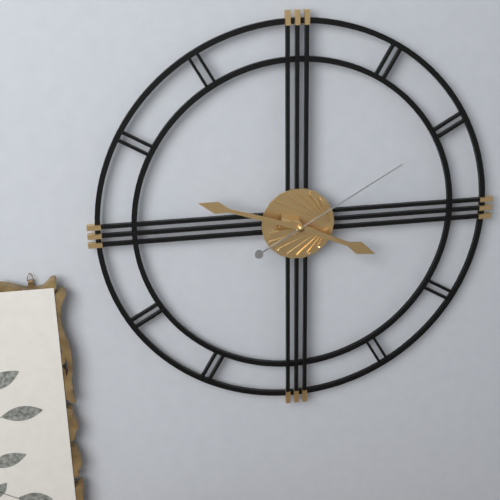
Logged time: 3:48:10
